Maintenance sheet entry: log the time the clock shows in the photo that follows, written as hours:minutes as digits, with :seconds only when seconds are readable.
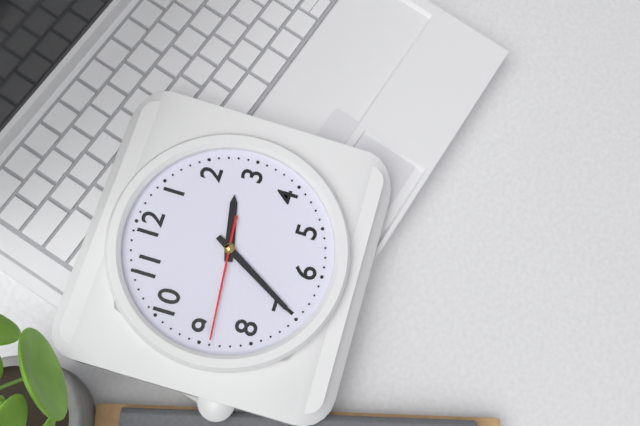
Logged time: 2:35:44
